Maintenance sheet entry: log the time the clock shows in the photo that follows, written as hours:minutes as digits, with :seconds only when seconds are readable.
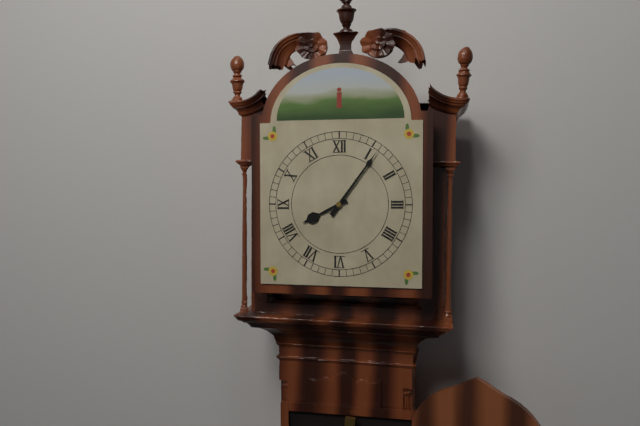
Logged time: 8:06
